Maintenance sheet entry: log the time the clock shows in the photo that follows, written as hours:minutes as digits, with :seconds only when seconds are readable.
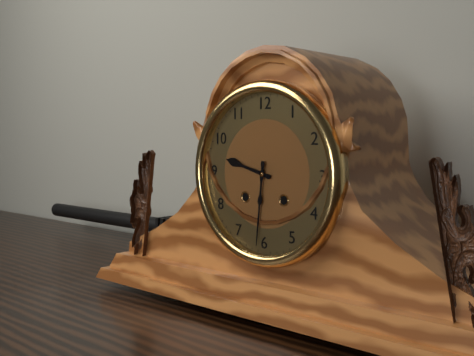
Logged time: 9:31
